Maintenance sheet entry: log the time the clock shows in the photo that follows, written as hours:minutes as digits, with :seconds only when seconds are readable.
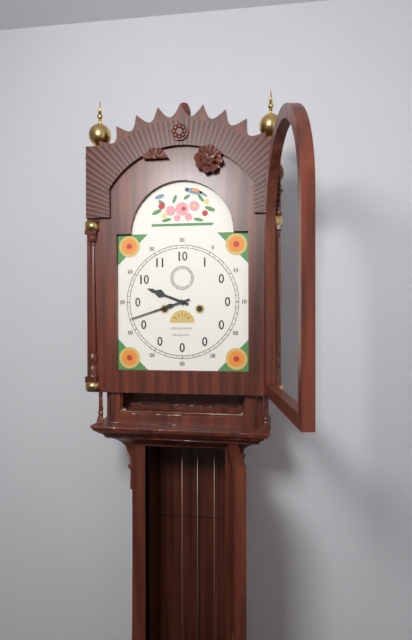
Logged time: 9:42
